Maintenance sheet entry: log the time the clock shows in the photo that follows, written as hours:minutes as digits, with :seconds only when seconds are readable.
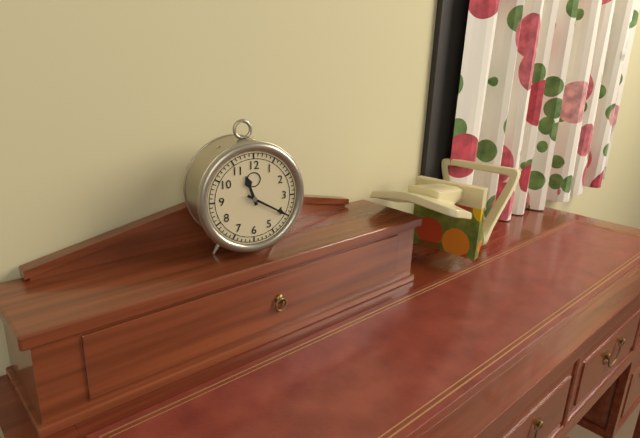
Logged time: 11:20
